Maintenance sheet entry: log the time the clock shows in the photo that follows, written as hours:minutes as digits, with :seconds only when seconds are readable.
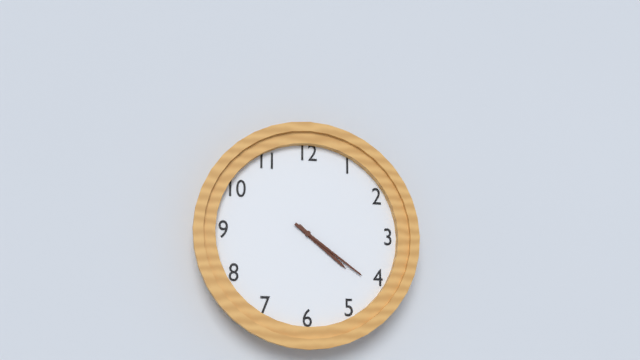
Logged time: 4:21
